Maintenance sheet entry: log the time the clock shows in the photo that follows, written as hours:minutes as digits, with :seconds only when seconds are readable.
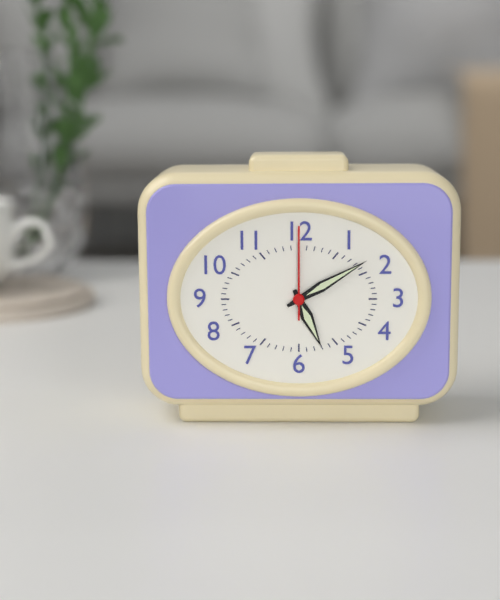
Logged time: 5:10:00
